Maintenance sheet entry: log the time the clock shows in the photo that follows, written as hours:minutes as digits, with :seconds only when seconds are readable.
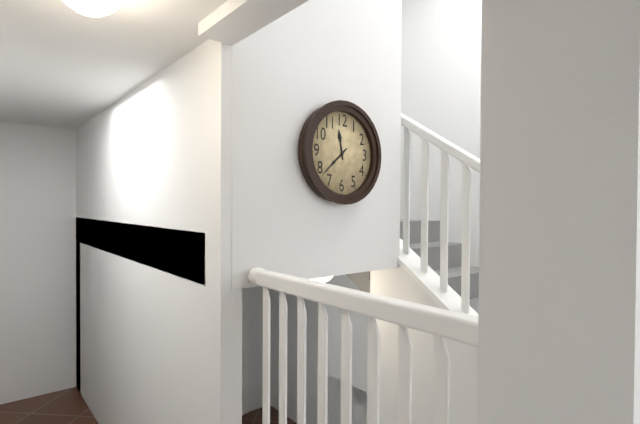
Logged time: 11:38
